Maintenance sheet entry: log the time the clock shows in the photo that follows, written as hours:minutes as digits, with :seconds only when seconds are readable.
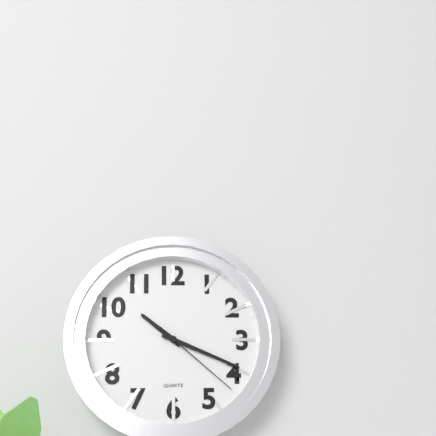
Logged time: 10:19:22
